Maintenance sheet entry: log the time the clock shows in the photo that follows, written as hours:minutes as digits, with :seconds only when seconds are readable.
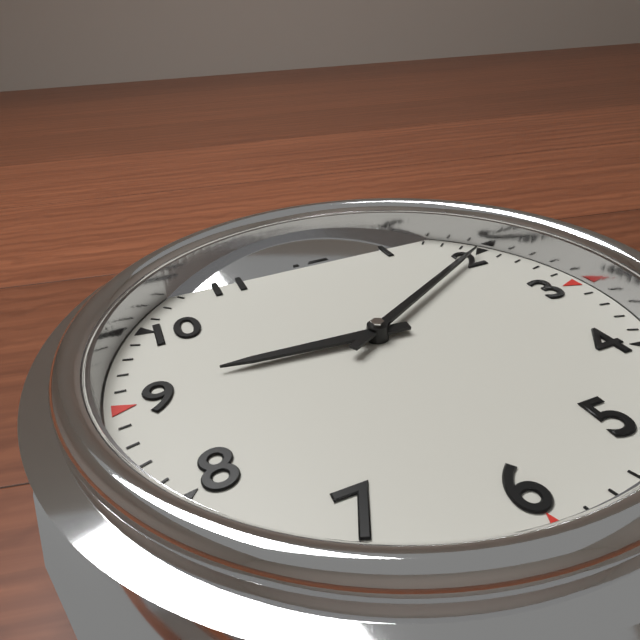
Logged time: 9:10
